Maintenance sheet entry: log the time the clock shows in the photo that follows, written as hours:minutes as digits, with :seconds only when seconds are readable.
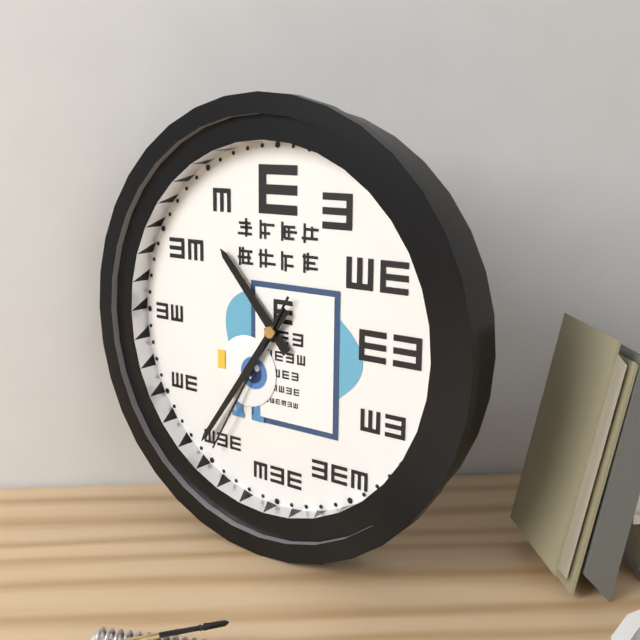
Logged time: 10:36:35
